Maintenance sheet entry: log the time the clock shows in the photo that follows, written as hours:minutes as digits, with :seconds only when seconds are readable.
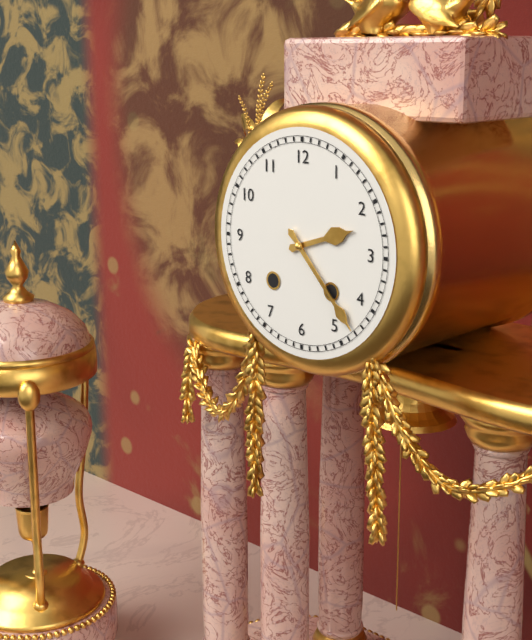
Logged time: 2:23
